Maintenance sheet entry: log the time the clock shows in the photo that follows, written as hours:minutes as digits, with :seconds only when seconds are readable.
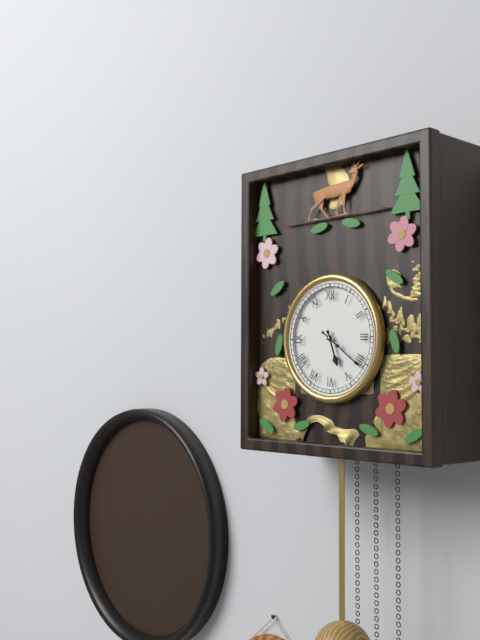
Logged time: 5:21
